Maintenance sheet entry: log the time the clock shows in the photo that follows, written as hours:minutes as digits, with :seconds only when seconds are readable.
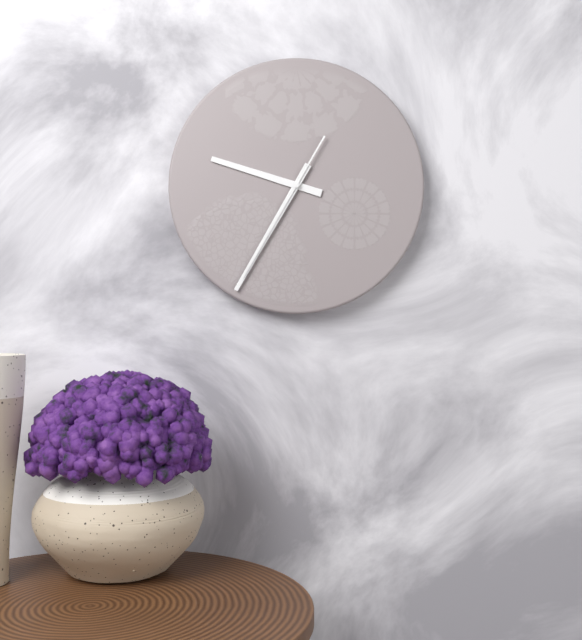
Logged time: 9:35:35
